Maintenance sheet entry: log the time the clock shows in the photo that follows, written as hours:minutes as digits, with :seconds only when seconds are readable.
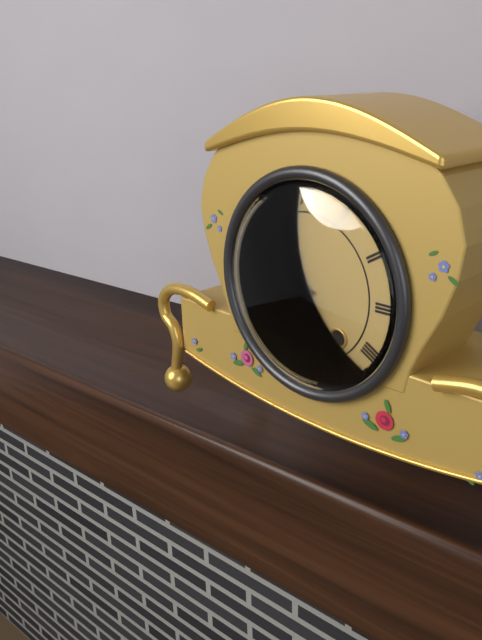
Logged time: 9:24
